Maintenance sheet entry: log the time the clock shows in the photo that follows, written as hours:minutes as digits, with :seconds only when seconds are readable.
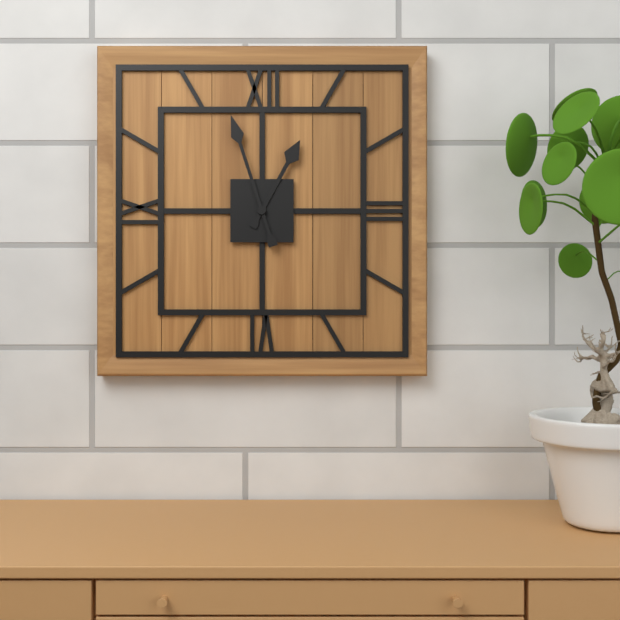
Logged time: 12:57
